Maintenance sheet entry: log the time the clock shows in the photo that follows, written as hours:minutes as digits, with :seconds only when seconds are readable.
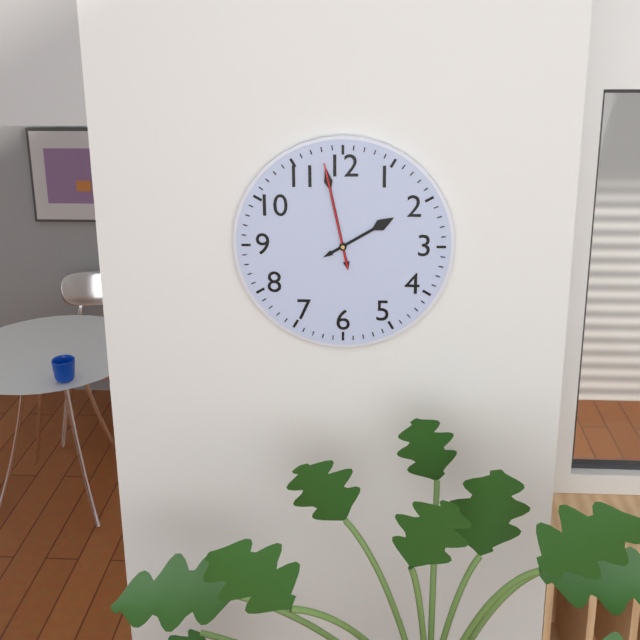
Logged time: 1:58:58
